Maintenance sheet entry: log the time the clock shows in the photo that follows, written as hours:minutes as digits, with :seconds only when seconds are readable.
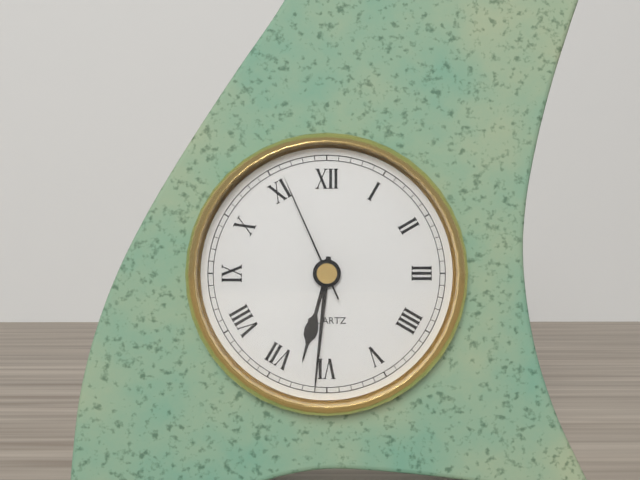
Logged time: 6:31:56
